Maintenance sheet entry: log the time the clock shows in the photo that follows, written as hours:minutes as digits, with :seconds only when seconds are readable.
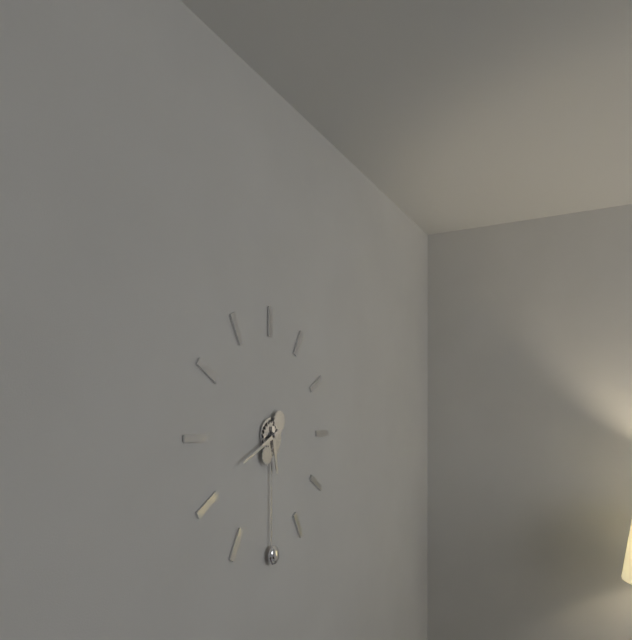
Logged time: 5:41
